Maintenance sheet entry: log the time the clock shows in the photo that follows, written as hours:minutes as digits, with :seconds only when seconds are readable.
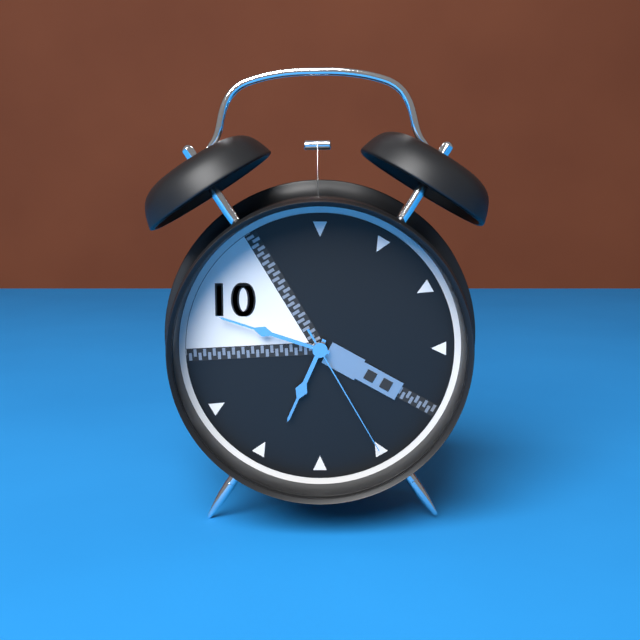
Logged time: 6:48:25
